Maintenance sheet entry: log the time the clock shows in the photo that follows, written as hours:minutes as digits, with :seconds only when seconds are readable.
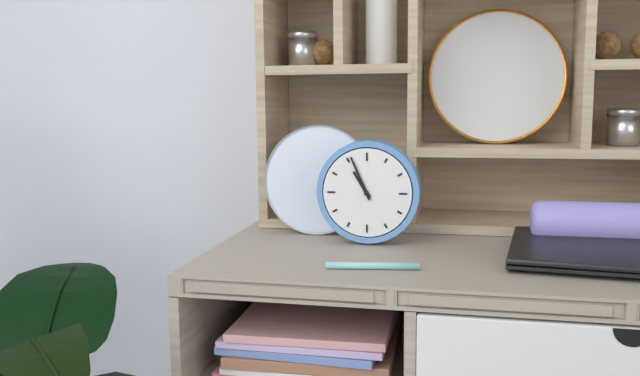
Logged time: 10:56
